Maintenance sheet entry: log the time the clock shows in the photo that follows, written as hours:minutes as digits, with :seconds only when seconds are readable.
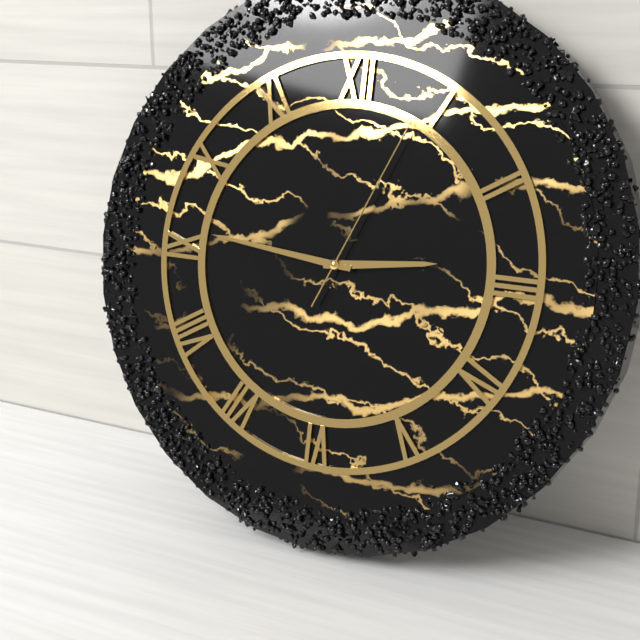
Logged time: 2:46:04
